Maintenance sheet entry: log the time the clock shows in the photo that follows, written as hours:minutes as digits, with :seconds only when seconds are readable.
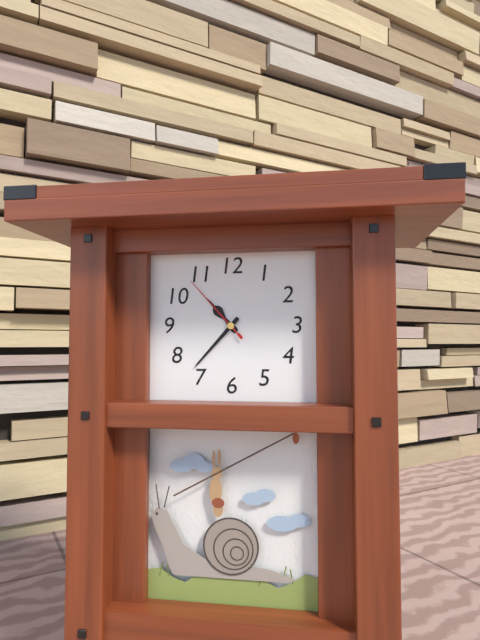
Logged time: 10:37:53
